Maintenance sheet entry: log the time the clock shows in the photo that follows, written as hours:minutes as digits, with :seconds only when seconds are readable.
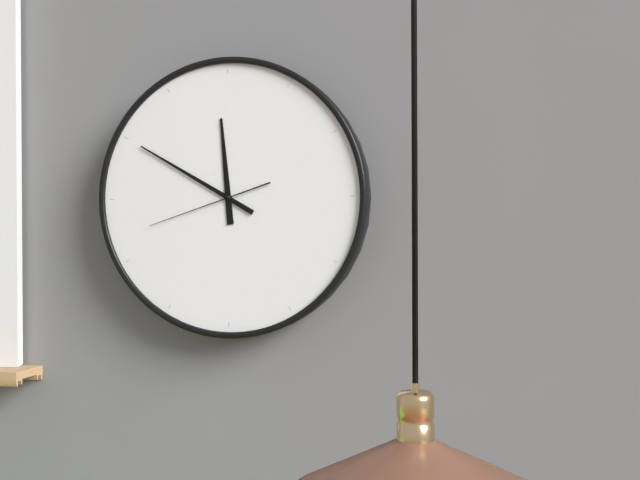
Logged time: 11:50:42
